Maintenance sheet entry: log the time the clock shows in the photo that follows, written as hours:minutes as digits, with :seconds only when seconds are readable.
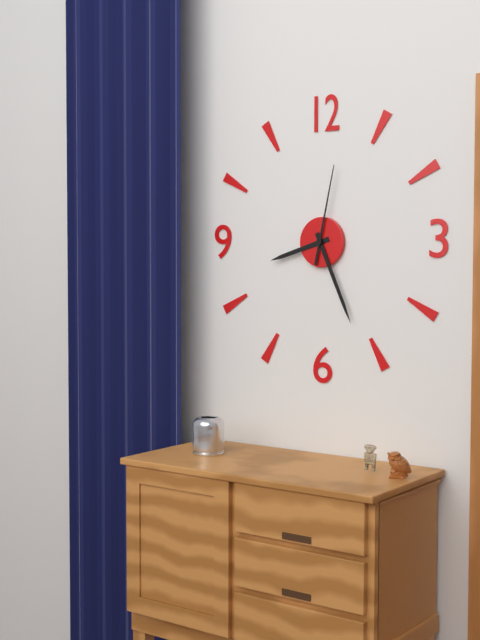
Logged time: 8:26:02
